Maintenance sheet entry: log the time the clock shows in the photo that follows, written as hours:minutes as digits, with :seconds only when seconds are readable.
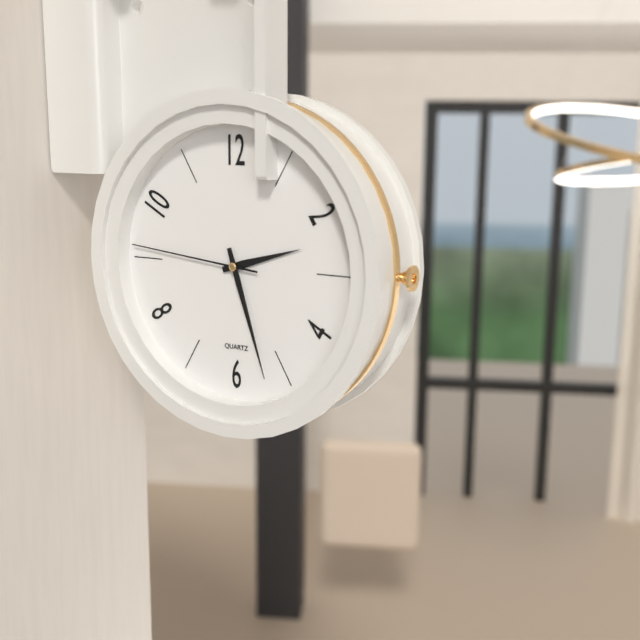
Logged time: 2:27:46
